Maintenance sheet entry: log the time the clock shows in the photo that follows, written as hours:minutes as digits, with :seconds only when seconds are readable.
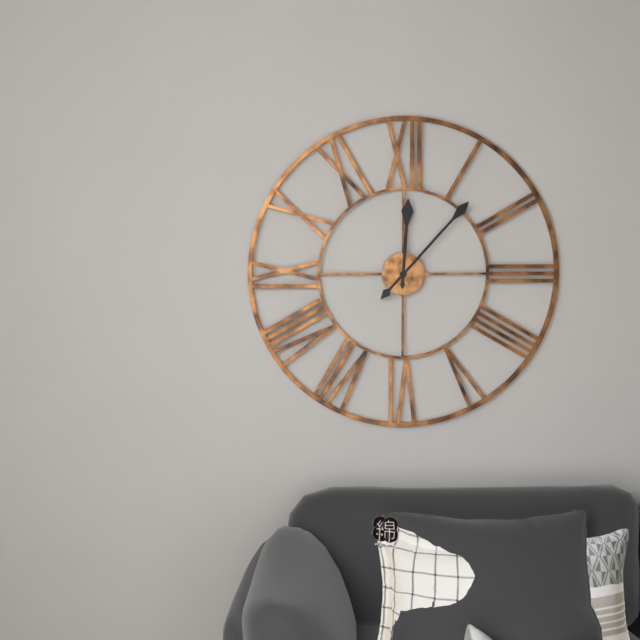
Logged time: 12:07
